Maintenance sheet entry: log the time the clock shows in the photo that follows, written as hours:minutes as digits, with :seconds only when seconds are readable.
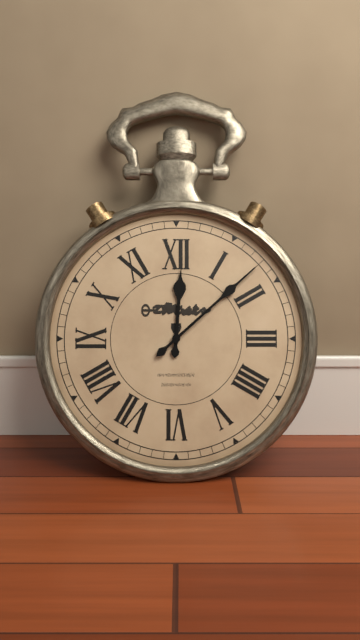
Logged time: 12:08
